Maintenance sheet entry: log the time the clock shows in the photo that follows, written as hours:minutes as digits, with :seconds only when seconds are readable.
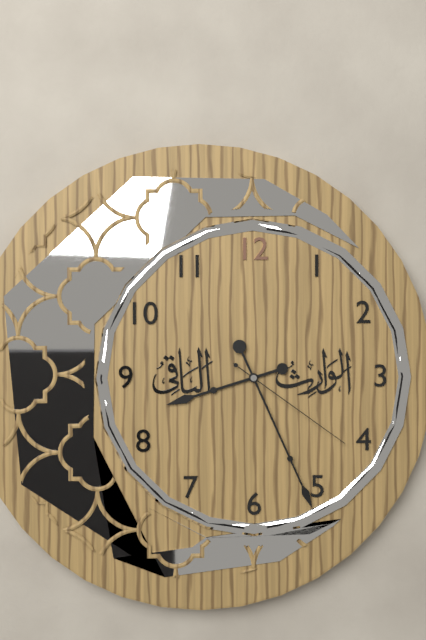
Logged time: 8:26:21
